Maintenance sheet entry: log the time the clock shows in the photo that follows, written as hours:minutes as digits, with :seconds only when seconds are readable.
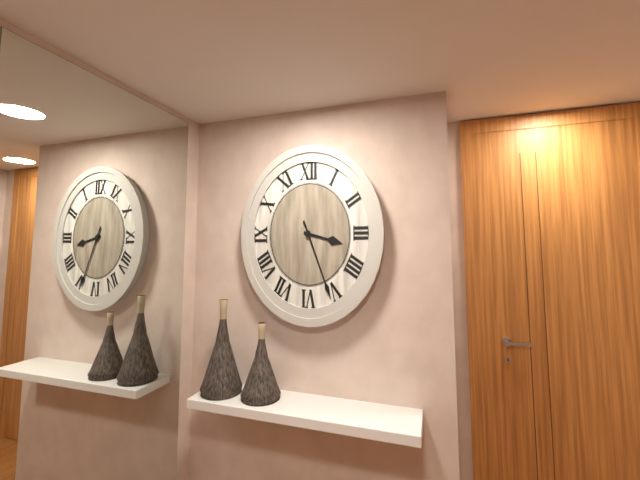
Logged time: 3:26
